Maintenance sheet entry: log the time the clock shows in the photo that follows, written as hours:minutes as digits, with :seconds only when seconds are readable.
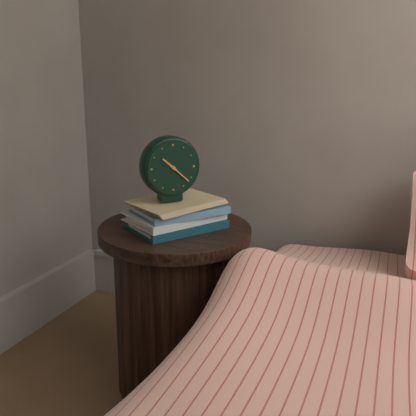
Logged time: 10:22
